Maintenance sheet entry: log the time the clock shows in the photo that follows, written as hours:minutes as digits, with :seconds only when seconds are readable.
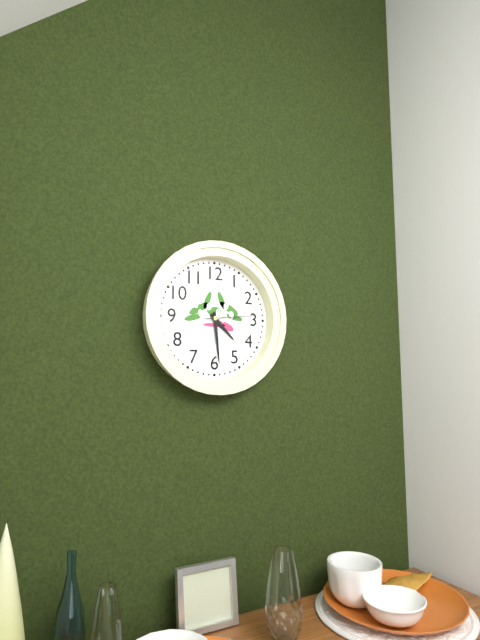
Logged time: 4:29:14
